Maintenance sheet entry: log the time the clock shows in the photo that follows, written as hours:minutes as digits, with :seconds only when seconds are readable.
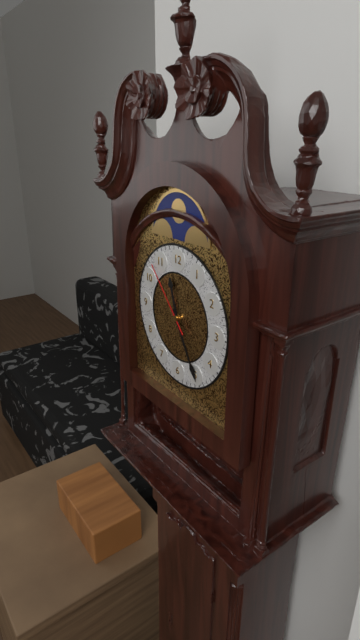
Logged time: 11:25:53
